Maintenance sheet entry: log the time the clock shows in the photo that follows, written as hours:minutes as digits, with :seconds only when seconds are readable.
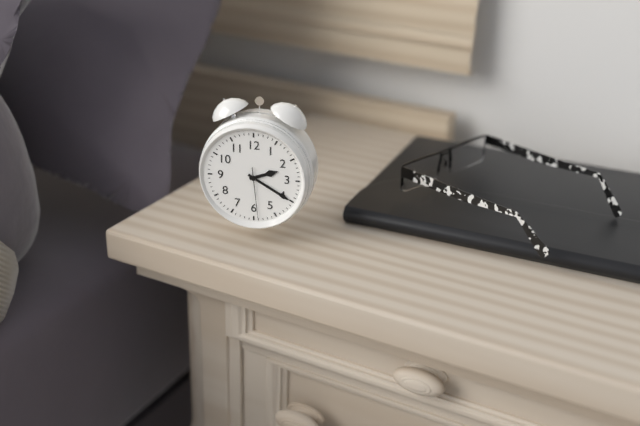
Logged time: 2:20:29
